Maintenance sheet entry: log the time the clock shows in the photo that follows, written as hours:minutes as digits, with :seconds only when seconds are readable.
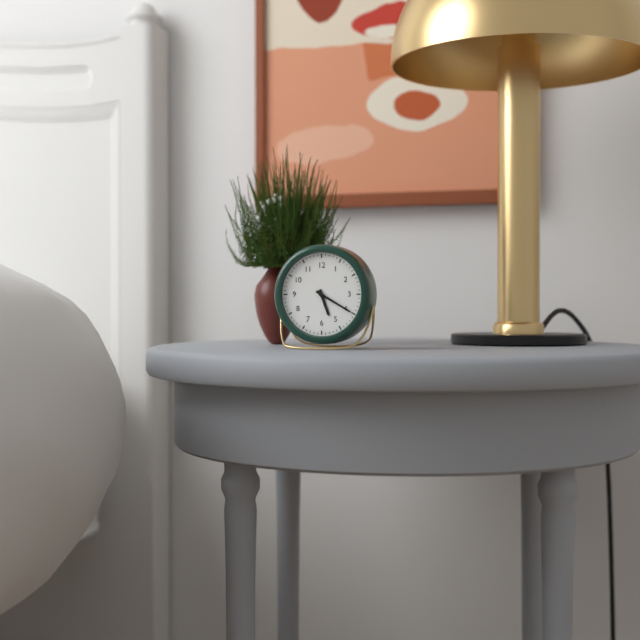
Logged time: 5:20
